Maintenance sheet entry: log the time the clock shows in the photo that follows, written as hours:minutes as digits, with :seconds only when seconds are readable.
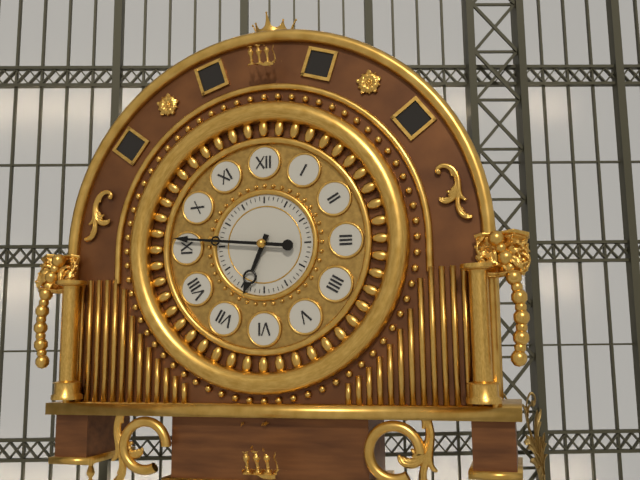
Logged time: 6:46
